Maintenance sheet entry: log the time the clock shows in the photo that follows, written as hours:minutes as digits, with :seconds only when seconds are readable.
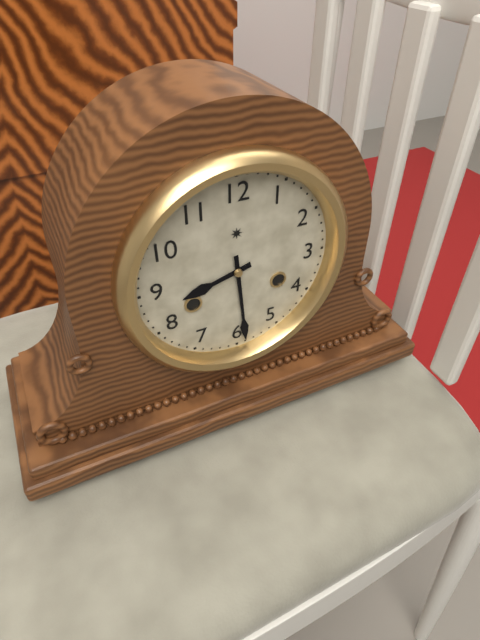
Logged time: 8:29
